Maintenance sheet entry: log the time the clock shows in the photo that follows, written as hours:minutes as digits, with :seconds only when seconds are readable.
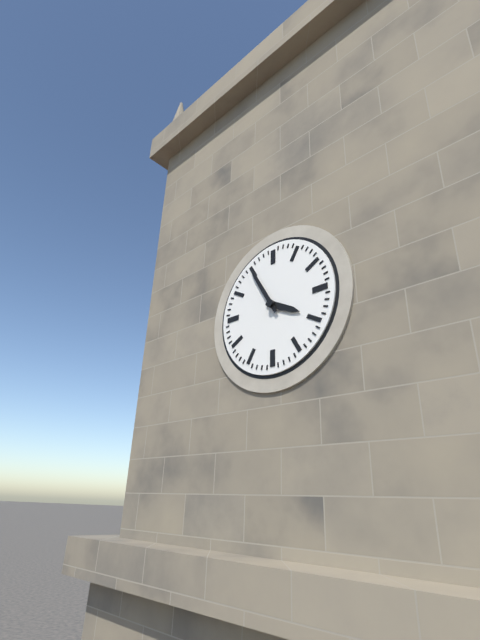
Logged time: 3:55
